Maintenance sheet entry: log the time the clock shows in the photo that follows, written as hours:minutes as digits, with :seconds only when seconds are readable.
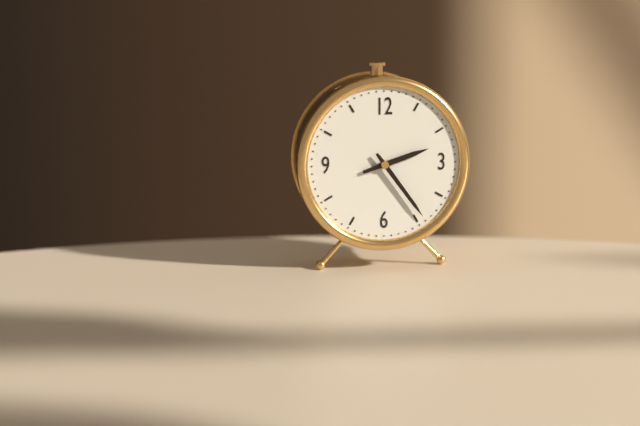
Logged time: 2:24
